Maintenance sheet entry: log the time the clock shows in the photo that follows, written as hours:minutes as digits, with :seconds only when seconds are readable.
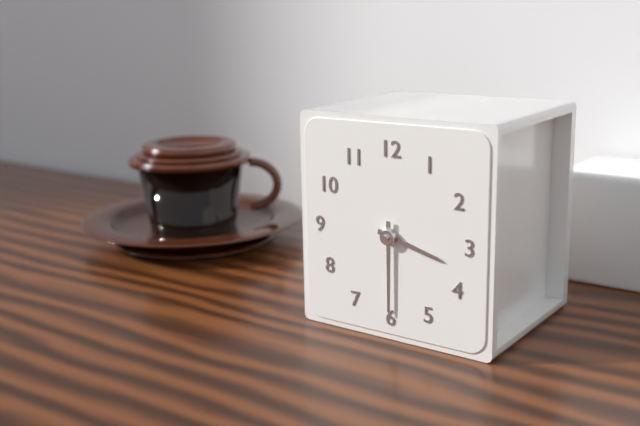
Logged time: 3:30
